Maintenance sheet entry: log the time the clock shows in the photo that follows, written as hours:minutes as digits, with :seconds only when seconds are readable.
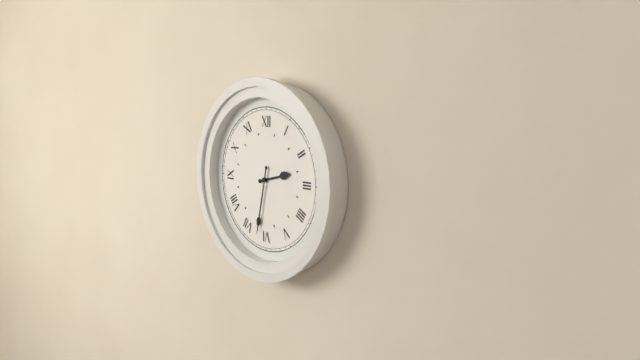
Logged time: 2:32
